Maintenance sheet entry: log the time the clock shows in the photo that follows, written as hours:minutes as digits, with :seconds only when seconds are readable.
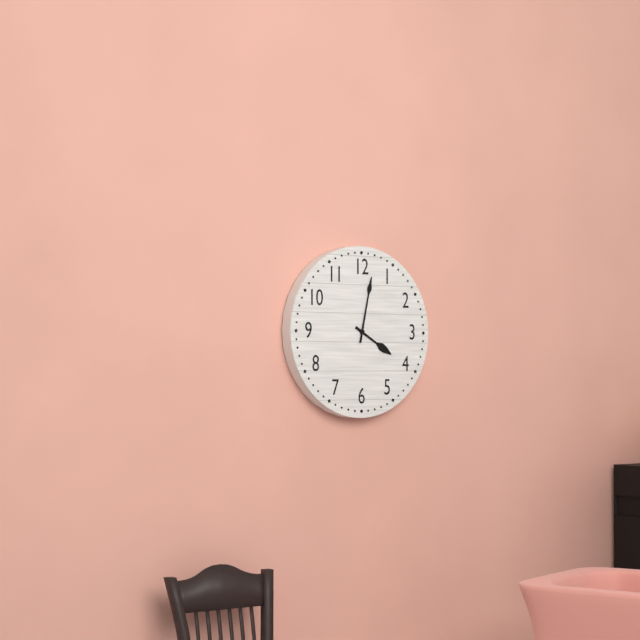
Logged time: 4:02
